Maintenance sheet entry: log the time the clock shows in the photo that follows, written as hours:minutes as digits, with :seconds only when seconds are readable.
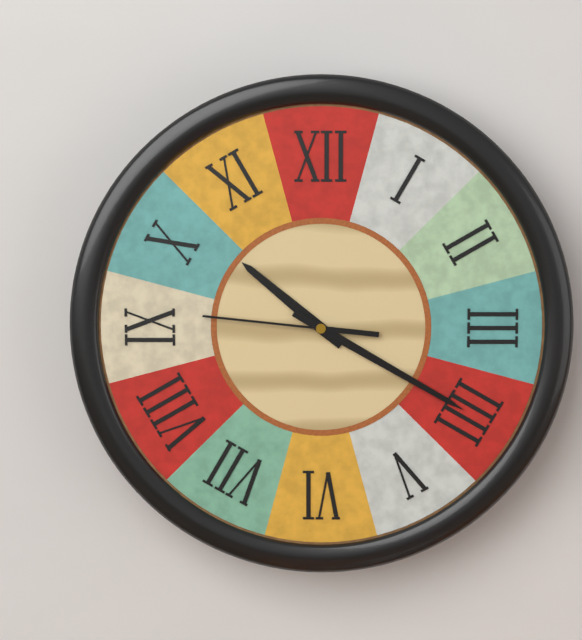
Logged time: 10:20:46
